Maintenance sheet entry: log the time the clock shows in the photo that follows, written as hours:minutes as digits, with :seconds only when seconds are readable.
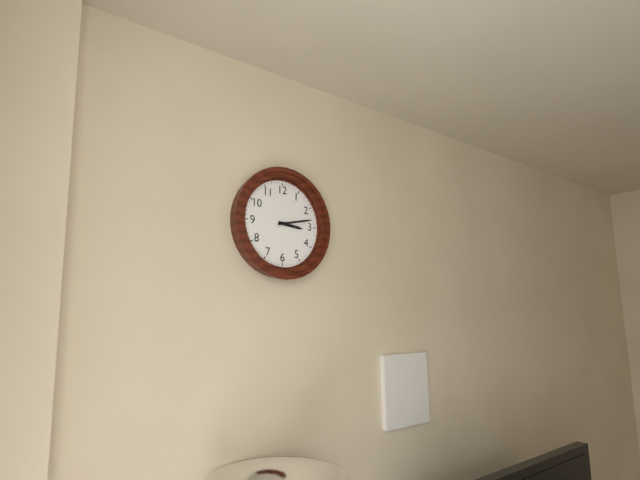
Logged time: 3:13
